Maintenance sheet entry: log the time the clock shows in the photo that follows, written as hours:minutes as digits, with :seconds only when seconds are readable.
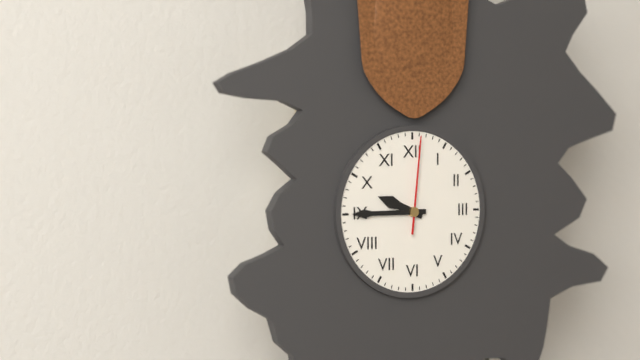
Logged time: 9:45:01
